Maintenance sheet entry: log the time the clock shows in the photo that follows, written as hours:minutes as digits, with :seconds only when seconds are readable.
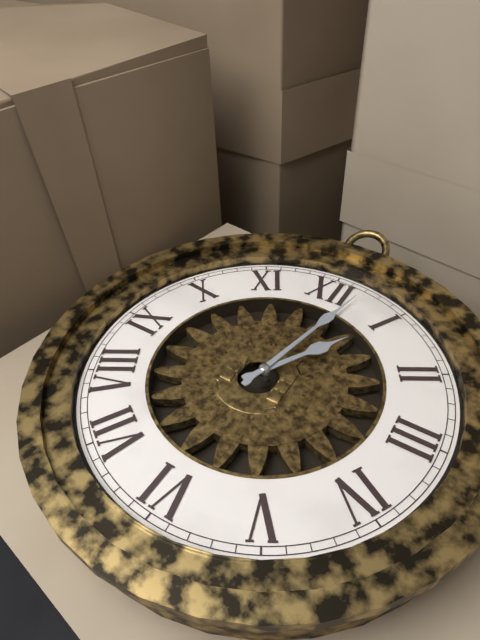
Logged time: 1:02
